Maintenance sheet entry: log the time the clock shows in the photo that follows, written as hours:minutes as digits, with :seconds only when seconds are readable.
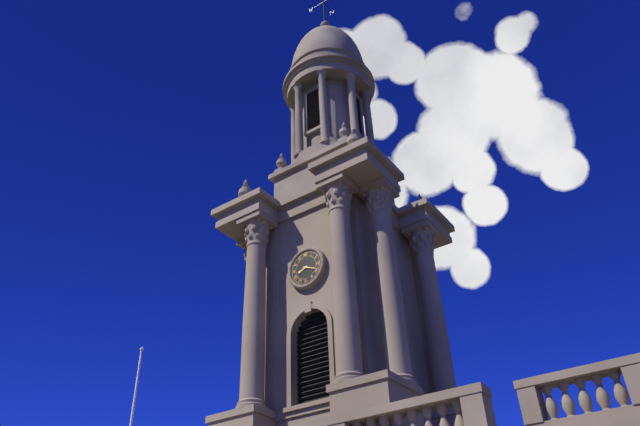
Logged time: 8:19
